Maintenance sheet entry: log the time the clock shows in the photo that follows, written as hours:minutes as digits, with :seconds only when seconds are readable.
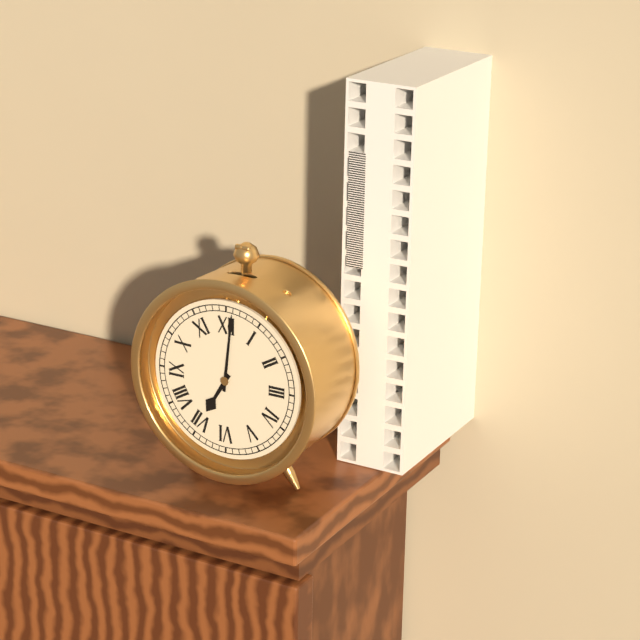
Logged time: 7:01
